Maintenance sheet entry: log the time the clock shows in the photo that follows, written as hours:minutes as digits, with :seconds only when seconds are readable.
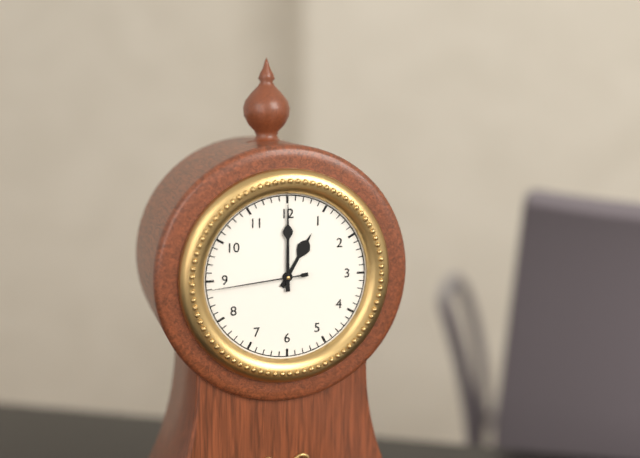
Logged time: 1:00:44
